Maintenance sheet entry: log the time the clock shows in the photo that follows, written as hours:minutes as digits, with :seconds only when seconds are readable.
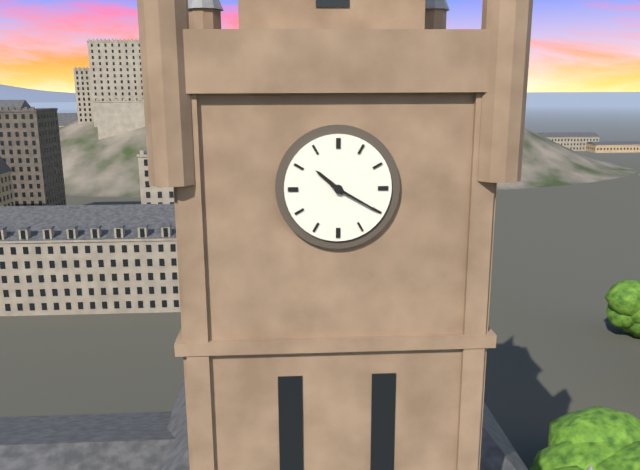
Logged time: 10:20
